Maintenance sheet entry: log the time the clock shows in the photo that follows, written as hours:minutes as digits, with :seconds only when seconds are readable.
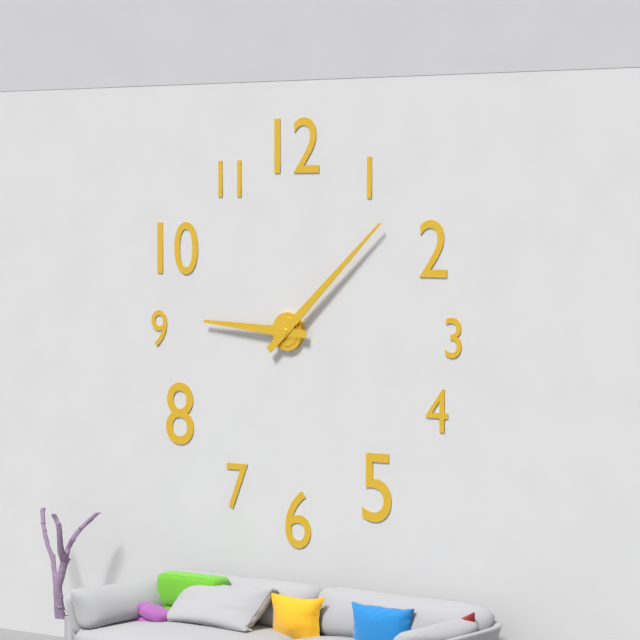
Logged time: 9:08
